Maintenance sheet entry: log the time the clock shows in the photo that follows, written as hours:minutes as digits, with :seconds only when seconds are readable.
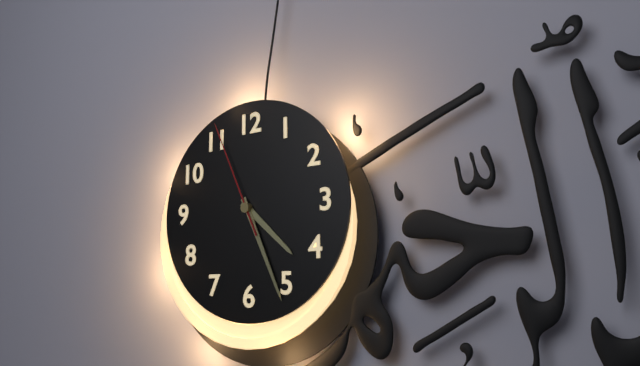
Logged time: 4:26:56
